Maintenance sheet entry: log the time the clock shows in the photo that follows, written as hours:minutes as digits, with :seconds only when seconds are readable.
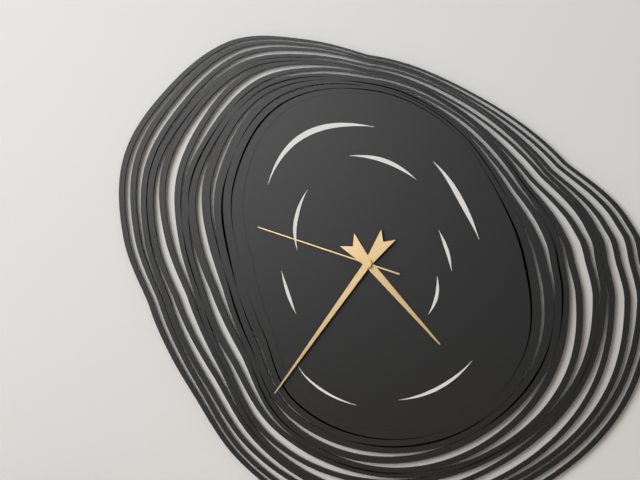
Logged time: 4:36:48
